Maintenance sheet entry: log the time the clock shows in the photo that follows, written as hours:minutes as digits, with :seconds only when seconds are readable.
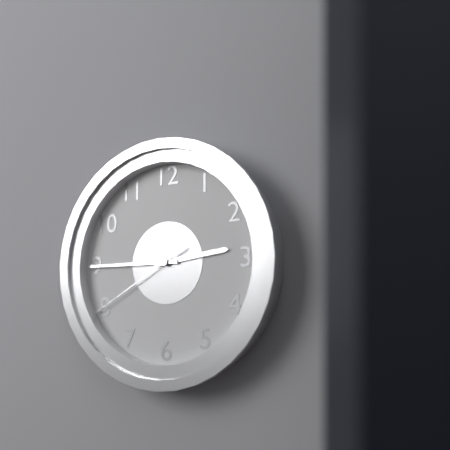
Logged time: 2:45:40
